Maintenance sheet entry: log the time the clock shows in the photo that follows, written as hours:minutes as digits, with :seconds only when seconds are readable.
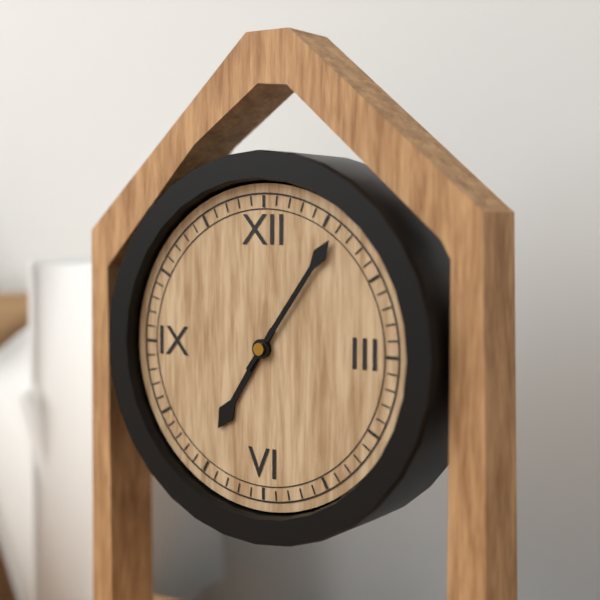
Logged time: 7:06
